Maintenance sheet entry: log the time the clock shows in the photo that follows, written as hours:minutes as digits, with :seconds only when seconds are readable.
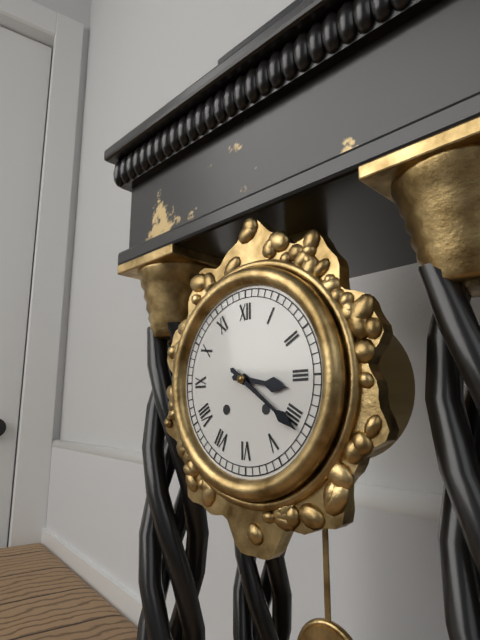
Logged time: 3:21
